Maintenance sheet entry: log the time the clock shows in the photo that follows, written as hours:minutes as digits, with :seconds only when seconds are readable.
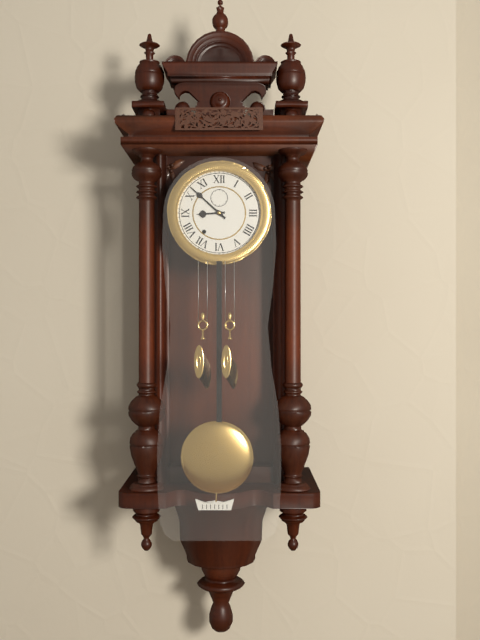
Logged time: 8:52
